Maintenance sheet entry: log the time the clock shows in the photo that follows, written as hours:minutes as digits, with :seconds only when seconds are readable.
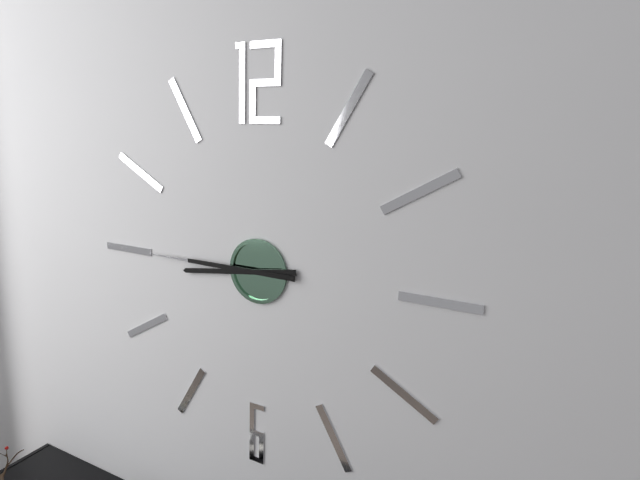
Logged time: 8:45
